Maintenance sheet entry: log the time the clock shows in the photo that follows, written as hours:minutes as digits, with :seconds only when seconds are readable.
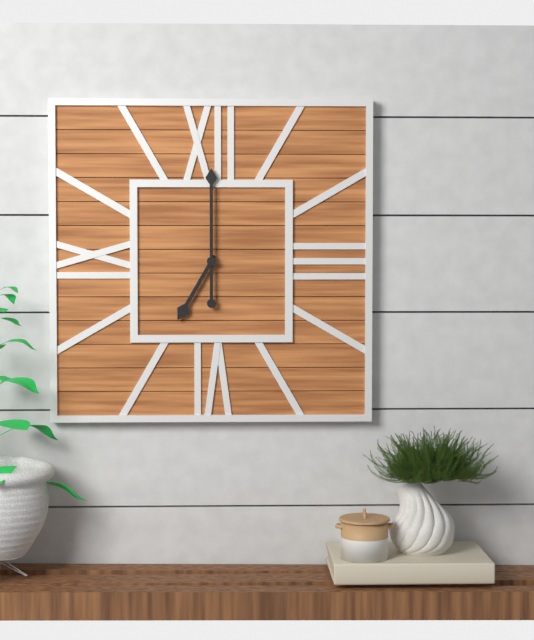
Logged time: 7:00
